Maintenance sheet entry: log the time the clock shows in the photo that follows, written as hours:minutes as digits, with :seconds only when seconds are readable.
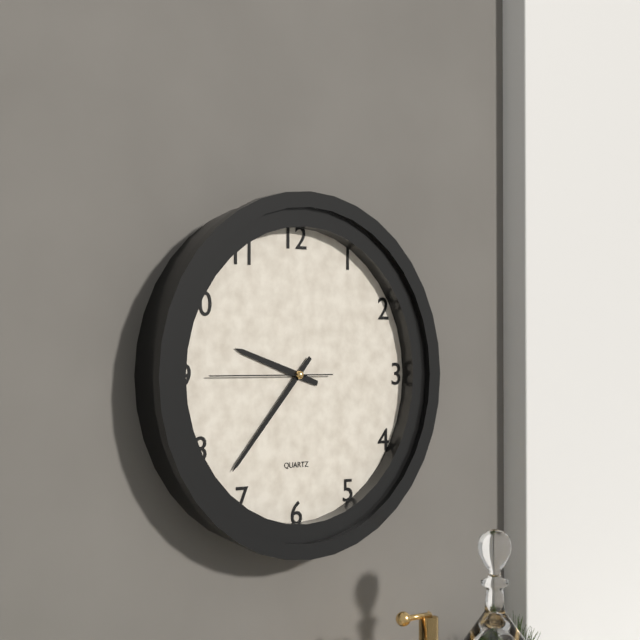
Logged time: 9:37:45
